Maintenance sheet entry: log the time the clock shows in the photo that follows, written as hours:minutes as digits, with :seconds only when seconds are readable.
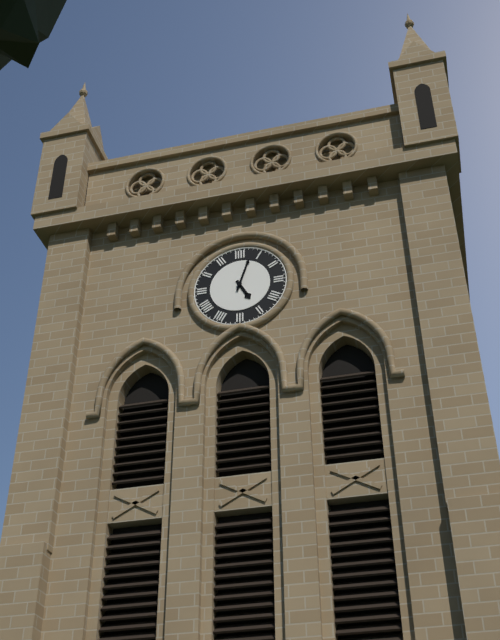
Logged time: 5:03
